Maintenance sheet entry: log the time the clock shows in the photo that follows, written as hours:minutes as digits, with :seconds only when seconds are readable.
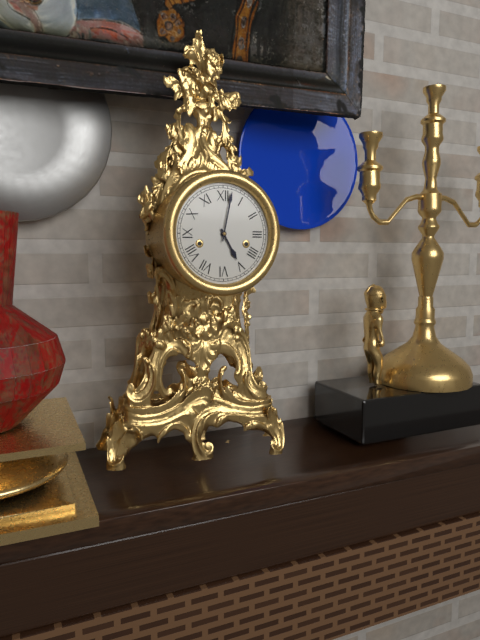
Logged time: 5:02
